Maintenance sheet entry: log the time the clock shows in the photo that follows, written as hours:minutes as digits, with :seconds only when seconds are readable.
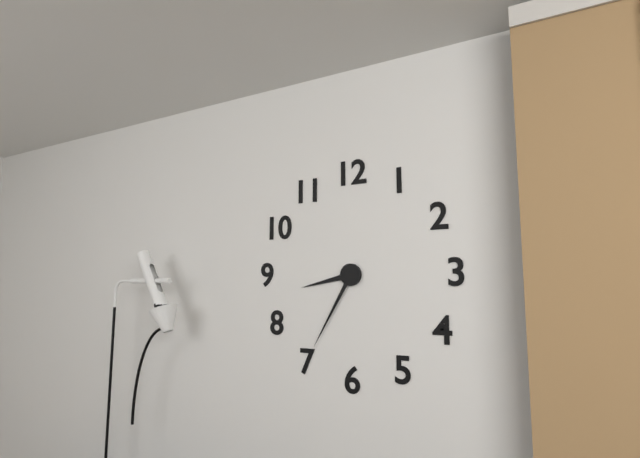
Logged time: 8:35
